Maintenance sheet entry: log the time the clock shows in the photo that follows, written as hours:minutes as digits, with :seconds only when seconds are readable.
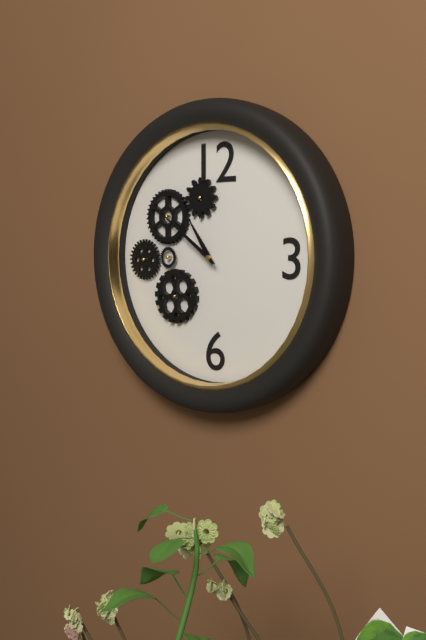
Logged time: 10:51
